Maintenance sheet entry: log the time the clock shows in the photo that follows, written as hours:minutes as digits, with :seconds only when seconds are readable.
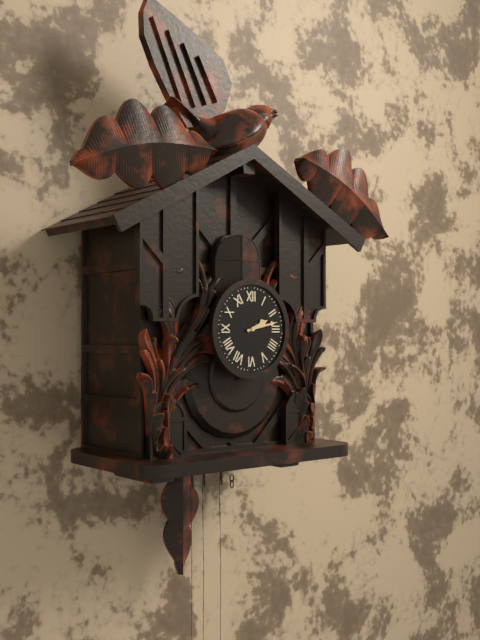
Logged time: 2:13
